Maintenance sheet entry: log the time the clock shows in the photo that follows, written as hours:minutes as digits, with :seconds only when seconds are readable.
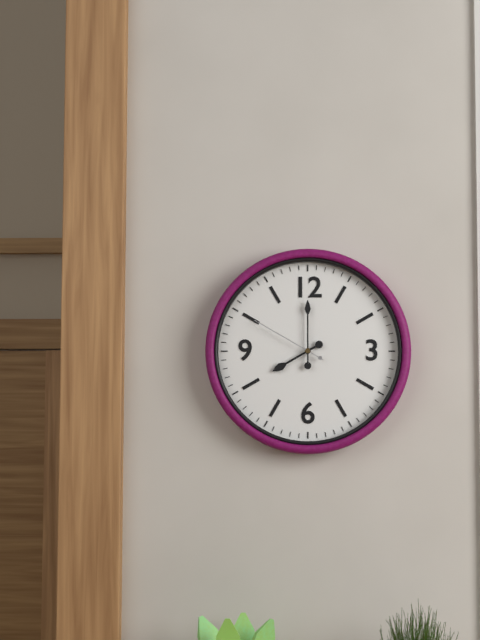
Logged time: 8:00:50
